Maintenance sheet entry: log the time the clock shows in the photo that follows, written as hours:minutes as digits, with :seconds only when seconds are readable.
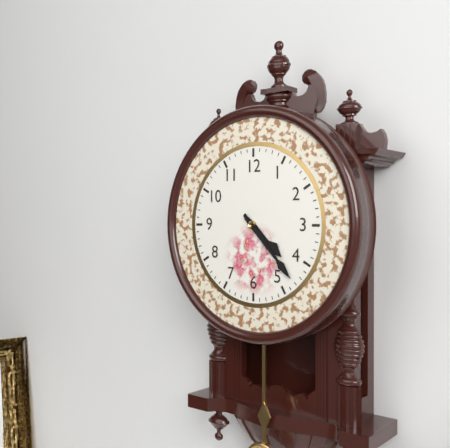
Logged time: 4:23
